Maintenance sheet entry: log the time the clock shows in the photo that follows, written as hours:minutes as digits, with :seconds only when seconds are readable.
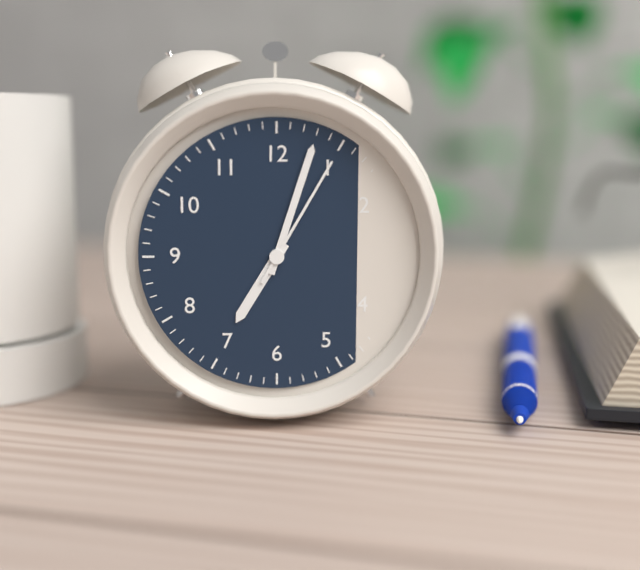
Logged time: 7:03:05
